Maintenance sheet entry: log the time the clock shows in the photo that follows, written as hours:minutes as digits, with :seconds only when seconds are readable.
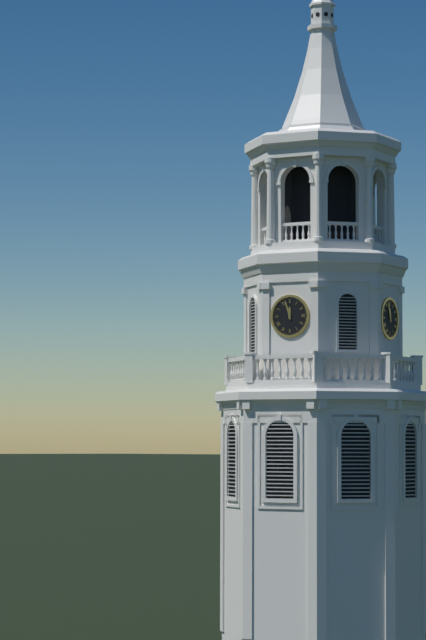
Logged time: 11:57
